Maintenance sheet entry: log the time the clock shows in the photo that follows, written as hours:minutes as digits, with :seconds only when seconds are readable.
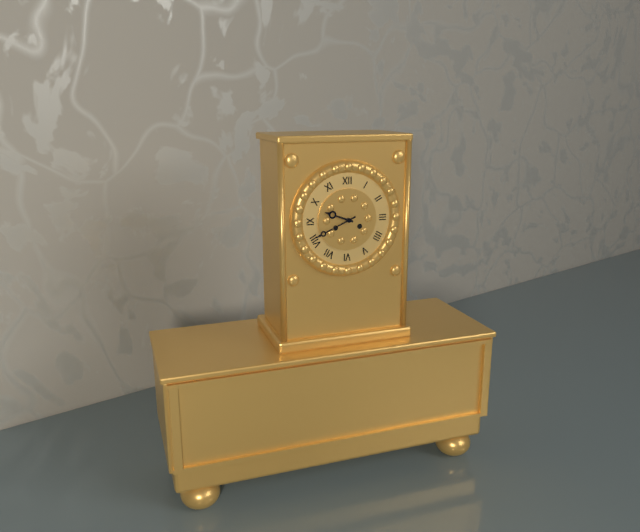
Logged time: 9:41
